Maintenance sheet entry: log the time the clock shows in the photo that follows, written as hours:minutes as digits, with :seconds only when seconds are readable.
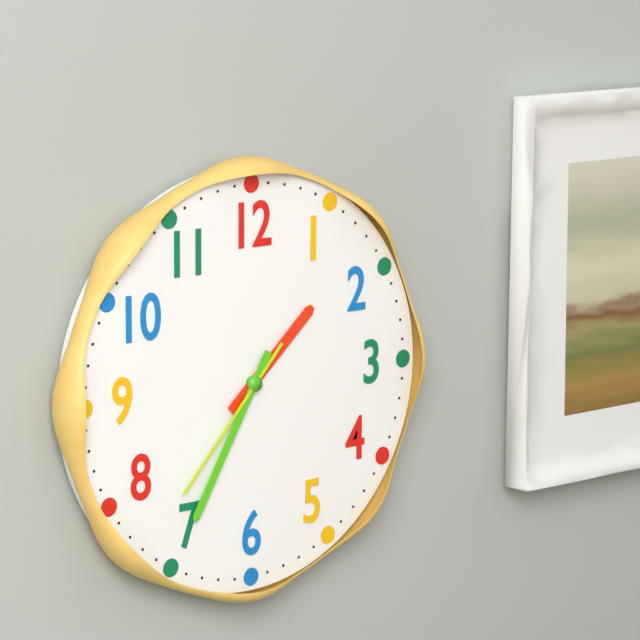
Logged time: 1:35:37
